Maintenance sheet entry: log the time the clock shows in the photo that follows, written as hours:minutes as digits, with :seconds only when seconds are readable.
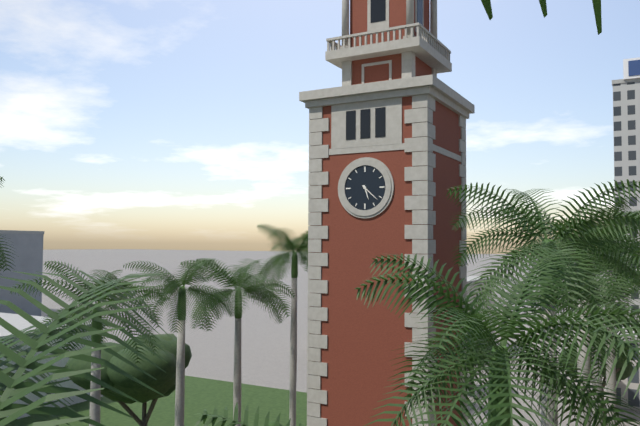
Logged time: 5:22
